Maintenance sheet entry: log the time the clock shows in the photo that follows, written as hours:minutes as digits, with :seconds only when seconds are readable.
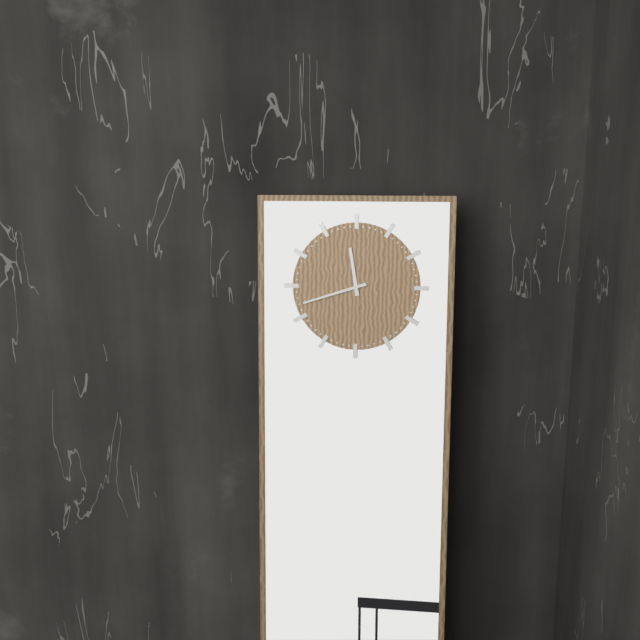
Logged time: 11:42
